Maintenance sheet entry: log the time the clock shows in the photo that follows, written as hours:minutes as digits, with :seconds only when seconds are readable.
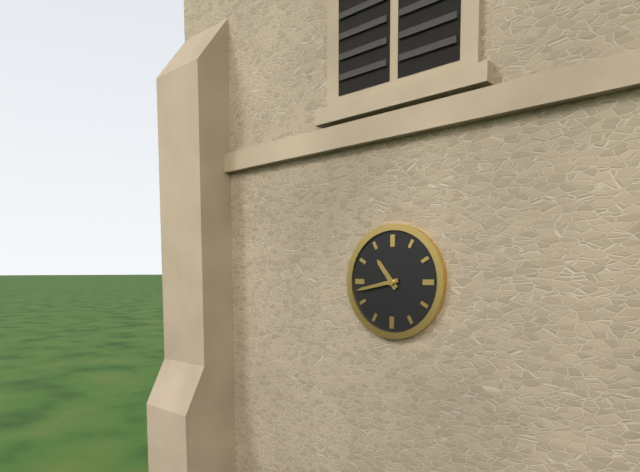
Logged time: 10:43
